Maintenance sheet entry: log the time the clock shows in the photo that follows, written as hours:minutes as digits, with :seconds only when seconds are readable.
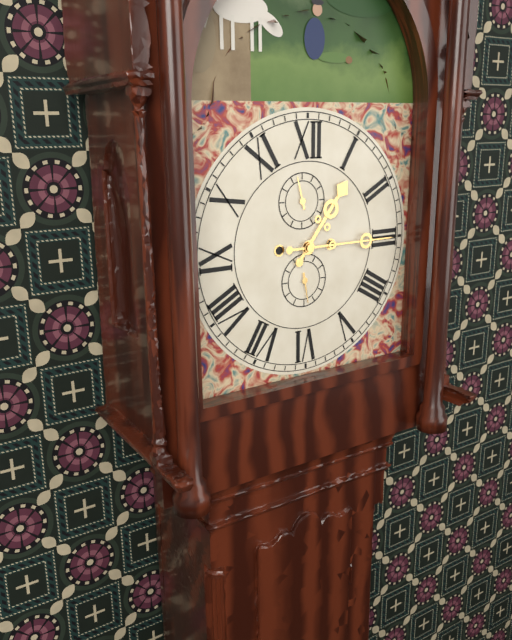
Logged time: 1:15
